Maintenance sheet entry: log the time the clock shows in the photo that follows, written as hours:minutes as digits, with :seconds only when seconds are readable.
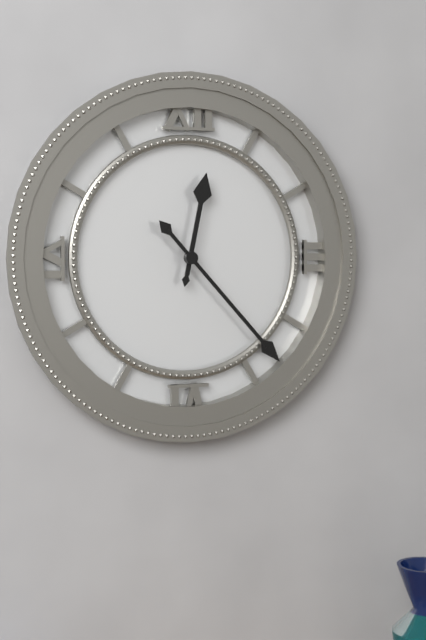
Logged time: 12:23
